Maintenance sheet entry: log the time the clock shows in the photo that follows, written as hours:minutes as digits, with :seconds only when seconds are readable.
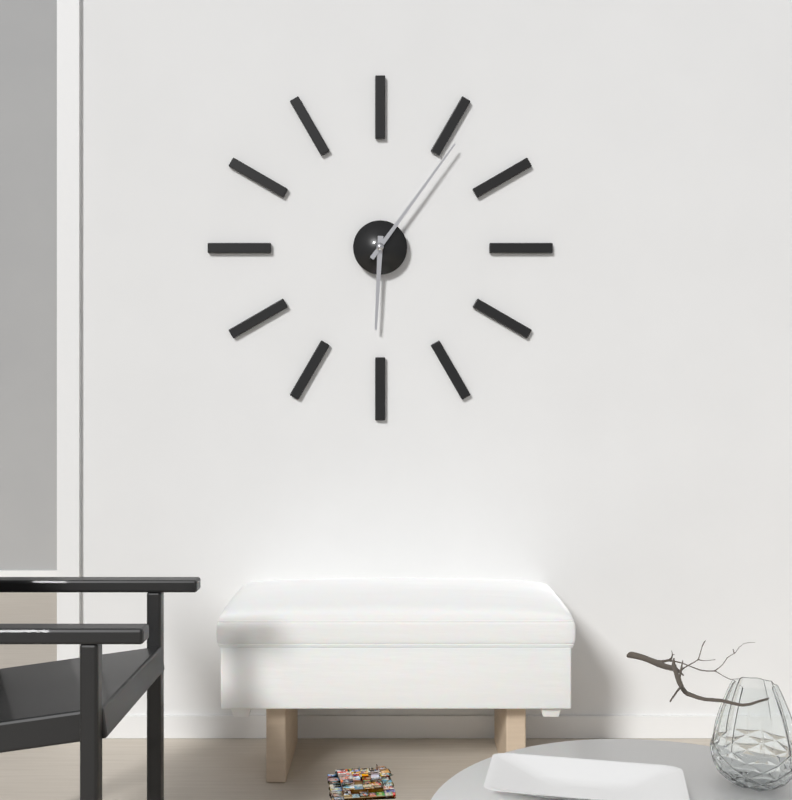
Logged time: 6:06
